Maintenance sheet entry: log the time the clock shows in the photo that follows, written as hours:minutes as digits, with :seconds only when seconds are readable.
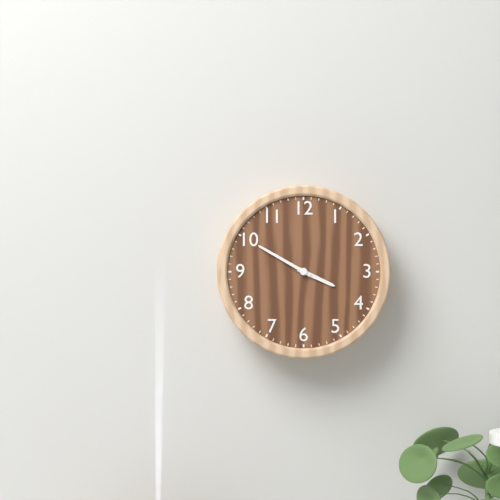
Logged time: 3:50
